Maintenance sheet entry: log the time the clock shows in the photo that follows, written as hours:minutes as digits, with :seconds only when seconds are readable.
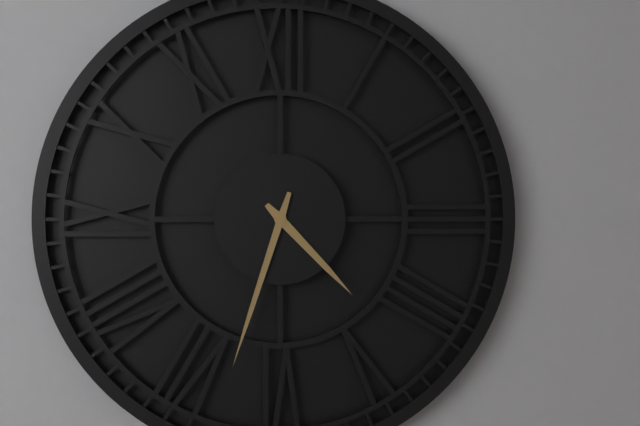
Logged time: 4:33
